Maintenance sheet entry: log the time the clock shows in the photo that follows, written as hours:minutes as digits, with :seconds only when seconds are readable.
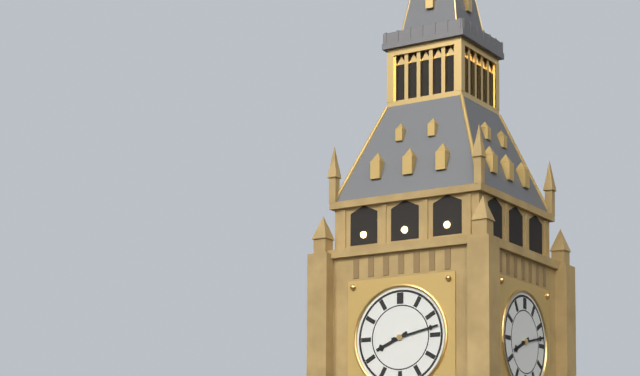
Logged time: 8:13
